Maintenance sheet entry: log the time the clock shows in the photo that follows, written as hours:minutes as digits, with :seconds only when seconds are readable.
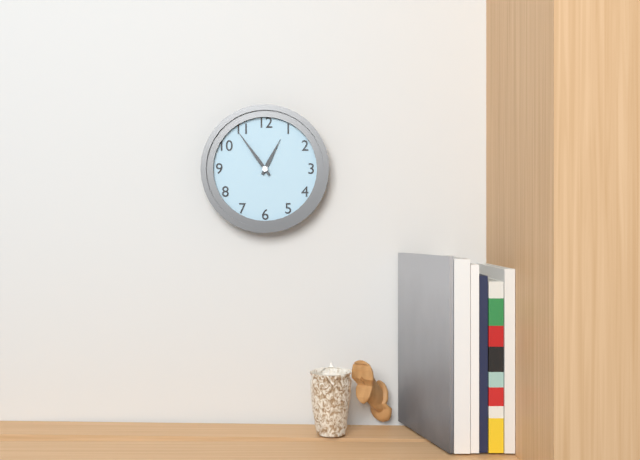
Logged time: 12:54
